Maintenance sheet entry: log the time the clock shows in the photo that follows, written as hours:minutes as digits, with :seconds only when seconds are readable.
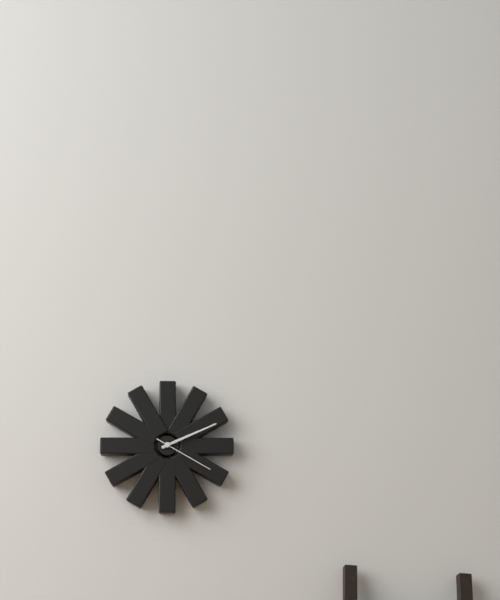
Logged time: 2:11:20
